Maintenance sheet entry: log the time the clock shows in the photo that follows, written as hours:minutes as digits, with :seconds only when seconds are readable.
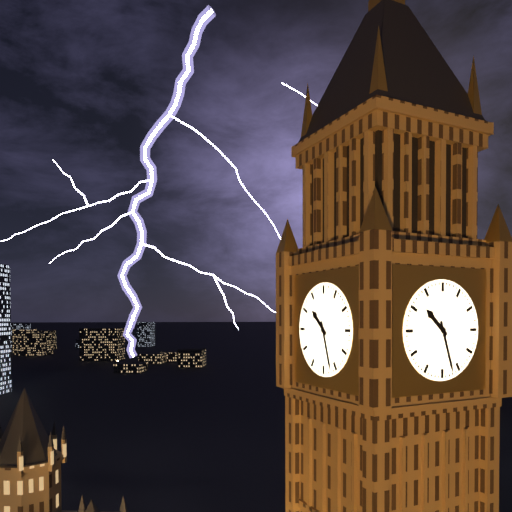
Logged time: 10:27
